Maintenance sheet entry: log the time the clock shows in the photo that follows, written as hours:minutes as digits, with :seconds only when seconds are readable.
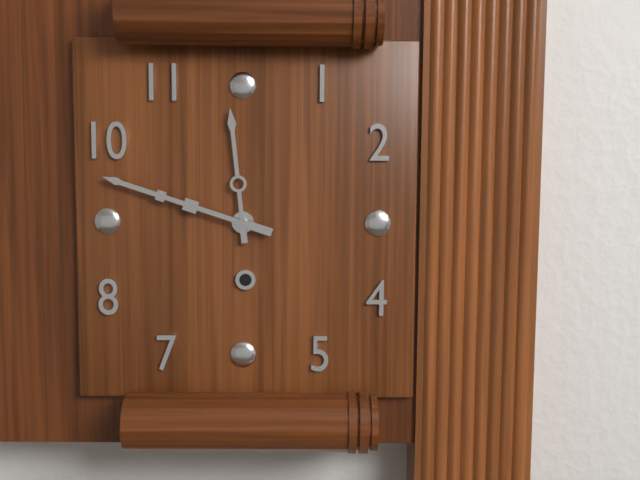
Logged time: 11:48
